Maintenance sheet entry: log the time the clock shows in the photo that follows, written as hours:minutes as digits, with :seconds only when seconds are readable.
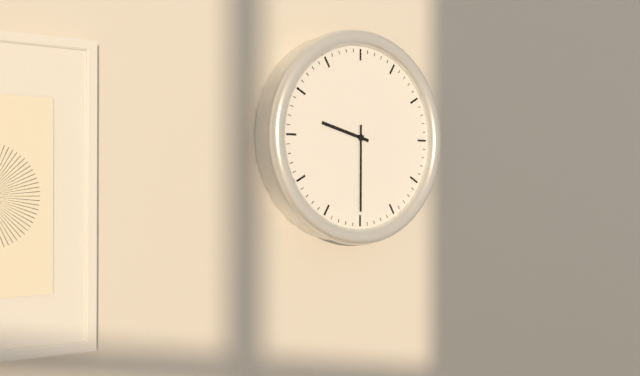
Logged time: 9:30
